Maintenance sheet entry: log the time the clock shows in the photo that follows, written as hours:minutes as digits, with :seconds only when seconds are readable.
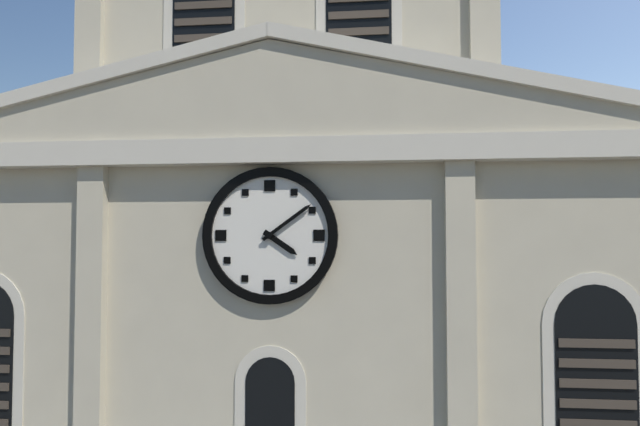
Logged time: 4:09
